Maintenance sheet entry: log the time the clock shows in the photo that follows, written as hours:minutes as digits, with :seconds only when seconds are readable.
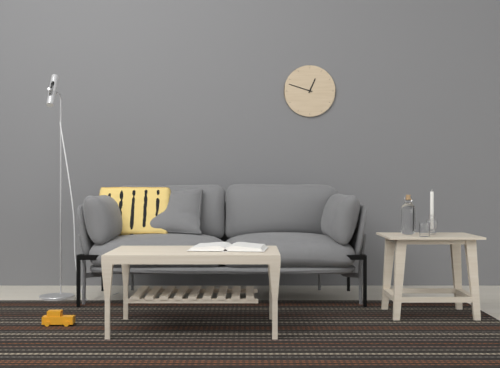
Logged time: 12:48
